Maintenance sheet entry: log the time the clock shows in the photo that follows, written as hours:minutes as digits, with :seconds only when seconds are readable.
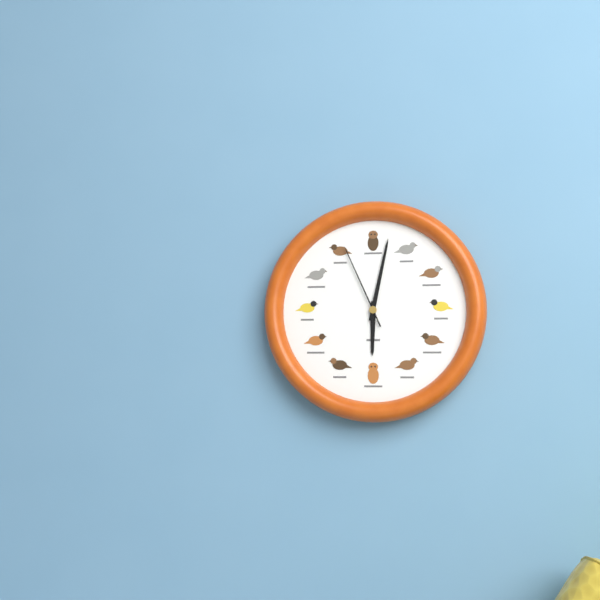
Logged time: 6:02:56
